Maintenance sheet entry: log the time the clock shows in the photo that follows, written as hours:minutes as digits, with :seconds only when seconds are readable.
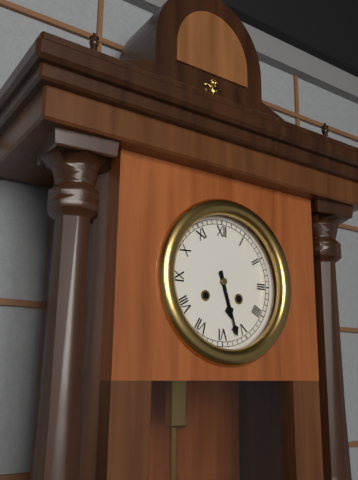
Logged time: 5:27
